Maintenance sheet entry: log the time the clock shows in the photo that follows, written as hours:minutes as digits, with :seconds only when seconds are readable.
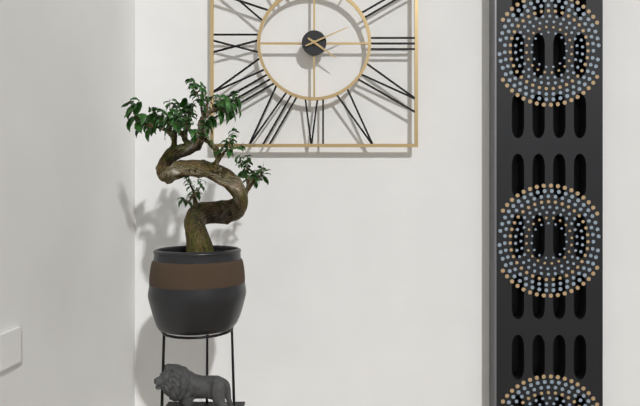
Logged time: 4:11
